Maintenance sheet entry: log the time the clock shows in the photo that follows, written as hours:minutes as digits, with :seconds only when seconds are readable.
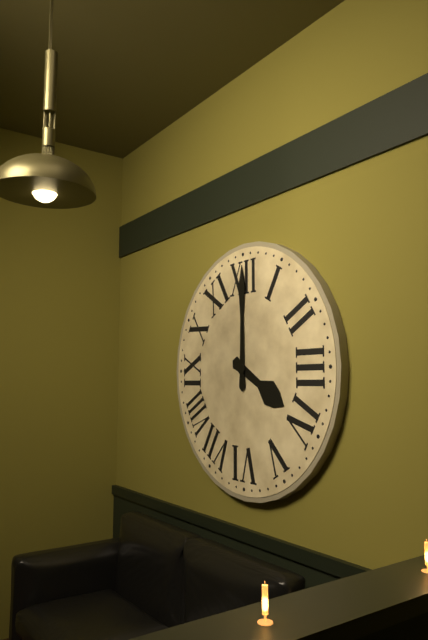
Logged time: 4:00
